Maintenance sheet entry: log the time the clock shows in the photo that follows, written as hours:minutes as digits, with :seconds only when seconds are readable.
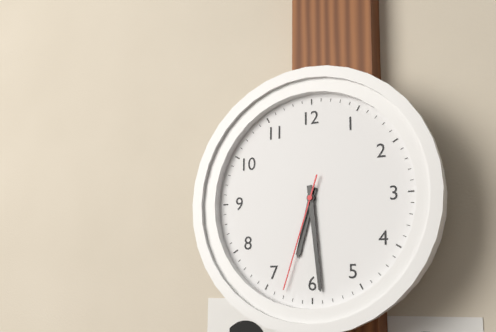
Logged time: 6:29:33
